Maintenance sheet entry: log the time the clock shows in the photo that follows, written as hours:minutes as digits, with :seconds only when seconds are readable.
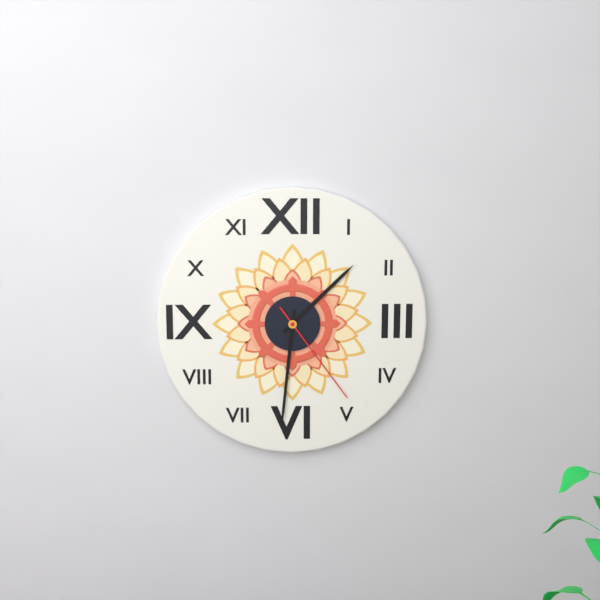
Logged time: 1:31:24
